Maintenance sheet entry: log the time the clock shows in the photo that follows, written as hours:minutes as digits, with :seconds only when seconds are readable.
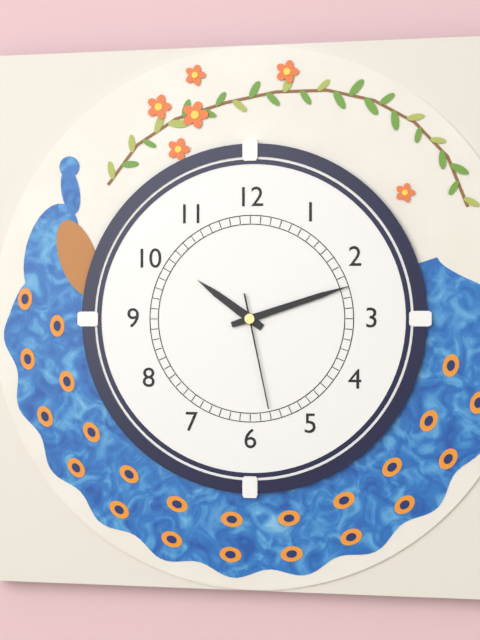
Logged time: 10:12:28
